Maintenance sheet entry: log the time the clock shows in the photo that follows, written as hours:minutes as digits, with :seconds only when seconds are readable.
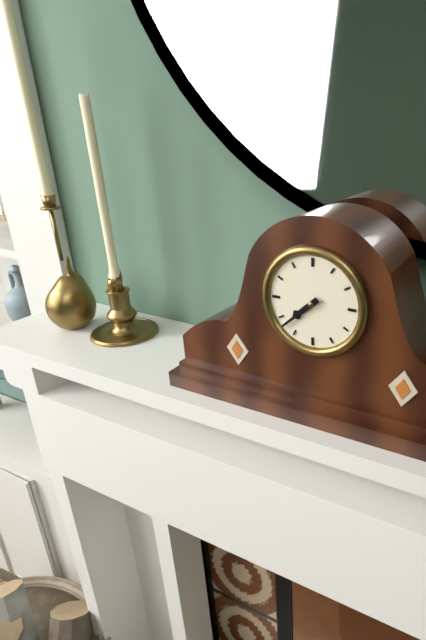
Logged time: 7:38
